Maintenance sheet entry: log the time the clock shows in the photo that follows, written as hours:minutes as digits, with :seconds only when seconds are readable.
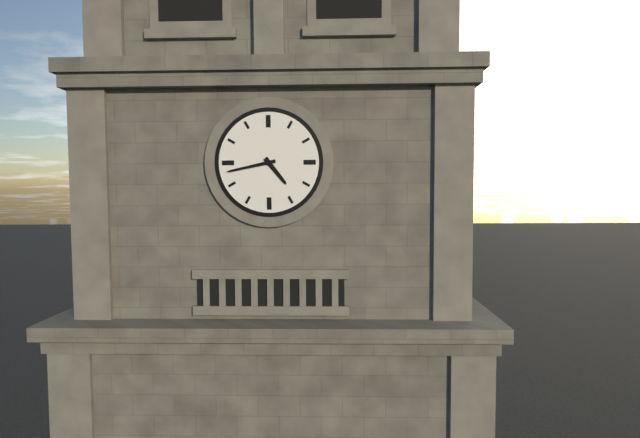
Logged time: 4:43
